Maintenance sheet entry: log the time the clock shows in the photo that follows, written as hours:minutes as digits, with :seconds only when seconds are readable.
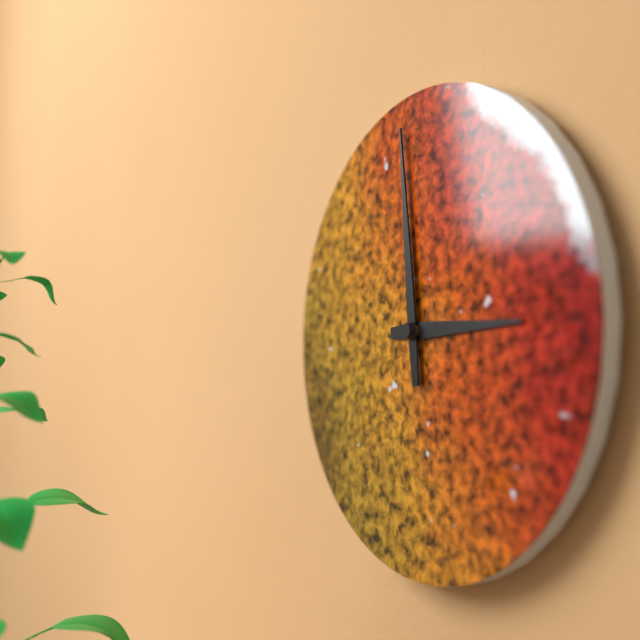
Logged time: 2:59
